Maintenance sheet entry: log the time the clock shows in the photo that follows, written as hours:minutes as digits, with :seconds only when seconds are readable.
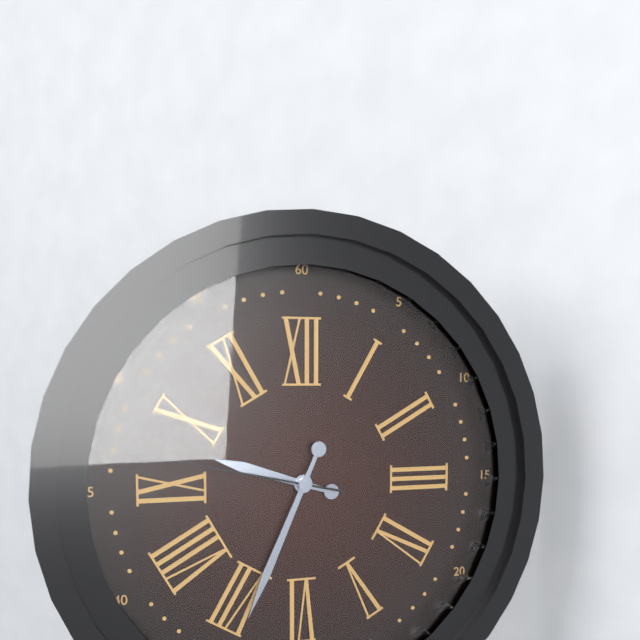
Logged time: 9:34:47
